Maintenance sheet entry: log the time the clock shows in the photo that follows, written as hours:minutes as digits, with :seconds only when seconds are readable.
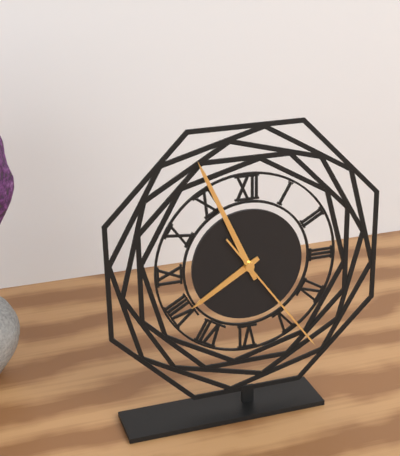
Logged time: 7:56:24
